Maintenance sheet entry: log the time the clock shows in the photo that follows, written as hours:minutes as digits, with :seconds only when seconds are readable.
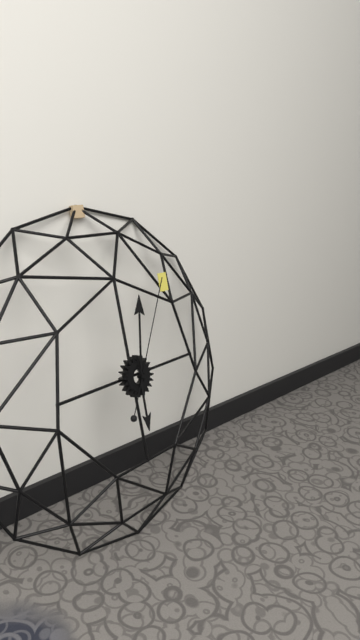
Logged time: 6:02:05
